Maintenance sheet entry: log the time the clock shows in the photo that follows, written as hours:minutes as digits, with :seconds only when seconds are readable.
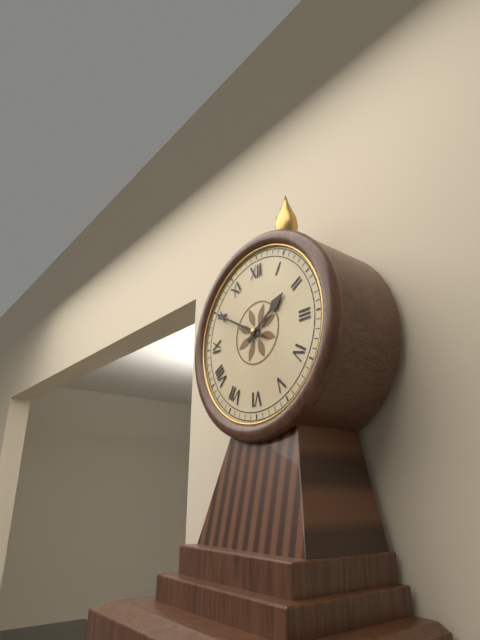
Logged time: 1:50
